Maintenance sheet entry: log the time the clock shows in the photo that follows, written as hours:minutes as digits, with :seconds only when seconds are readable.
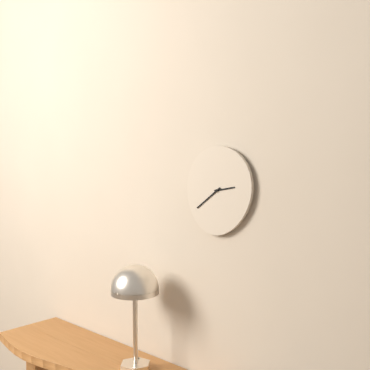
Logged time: 2:39
